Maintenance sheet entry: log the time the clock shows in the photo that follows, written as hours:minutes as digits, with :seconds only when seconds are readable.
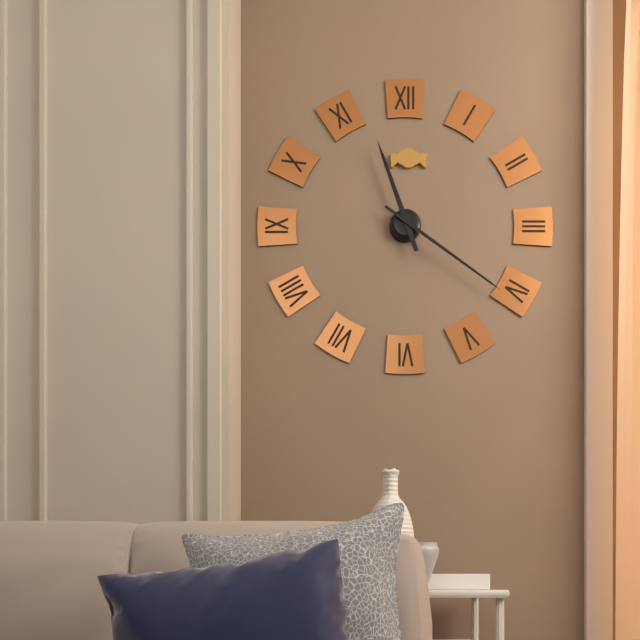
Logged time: 11:21
